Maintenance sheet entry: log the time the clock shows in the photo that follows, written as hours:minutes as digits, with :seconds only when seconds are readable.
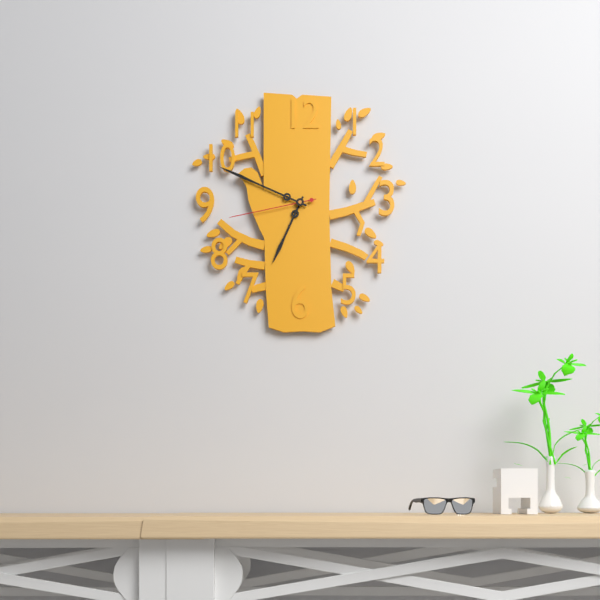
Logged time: 6:49:43
